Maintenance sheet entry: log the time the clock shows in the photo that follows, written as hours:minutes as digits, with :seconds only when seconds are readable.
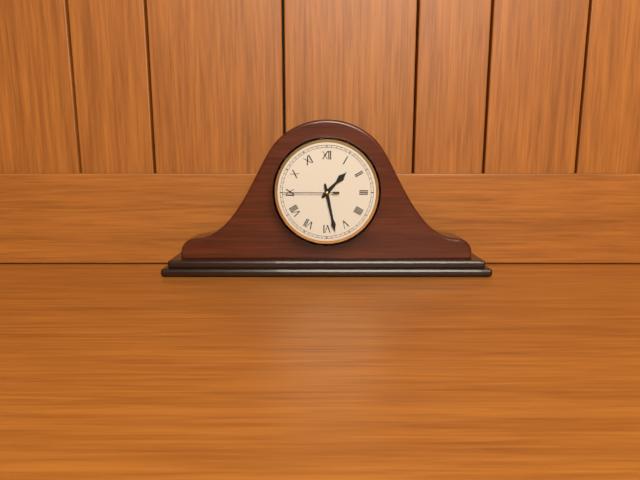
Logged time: 1:28:45
